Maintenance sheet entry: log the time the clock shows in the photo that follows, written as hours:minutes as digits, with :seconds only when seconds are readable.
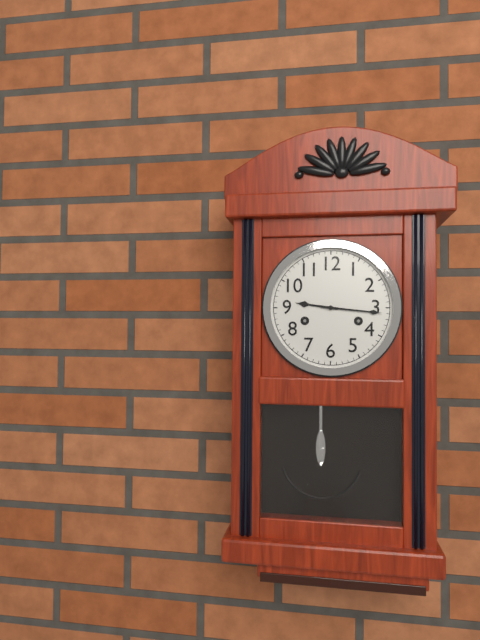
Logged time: 9:16
